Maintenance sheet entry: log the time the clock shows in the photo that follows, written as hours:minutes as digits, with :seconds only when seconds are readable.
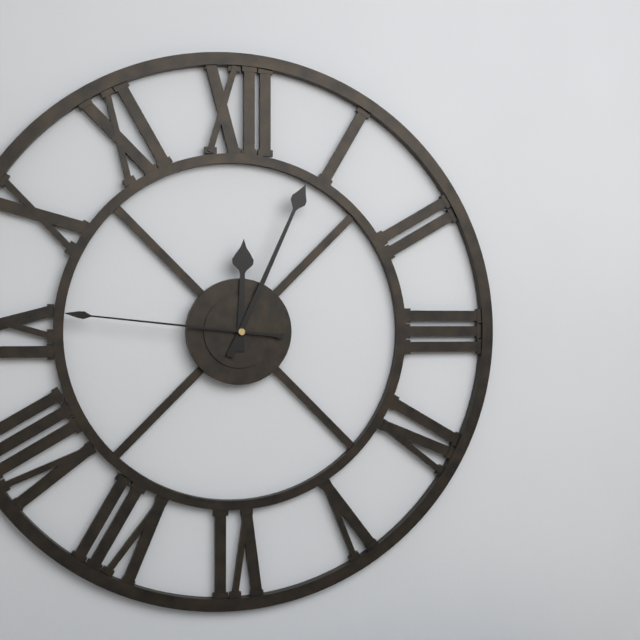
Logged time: 12:04:46
